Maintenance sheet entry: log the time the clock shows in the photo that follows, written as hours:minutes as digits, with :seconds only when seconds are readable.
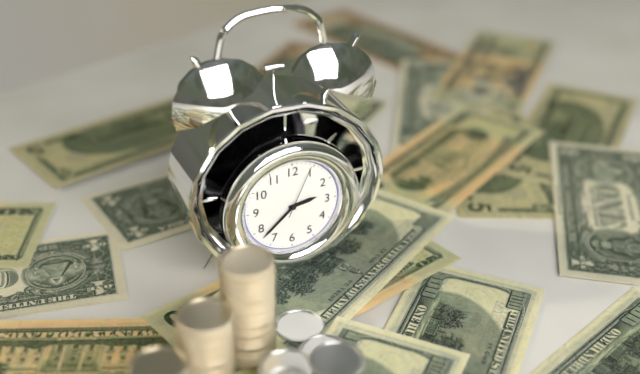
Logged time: 2:38:04
